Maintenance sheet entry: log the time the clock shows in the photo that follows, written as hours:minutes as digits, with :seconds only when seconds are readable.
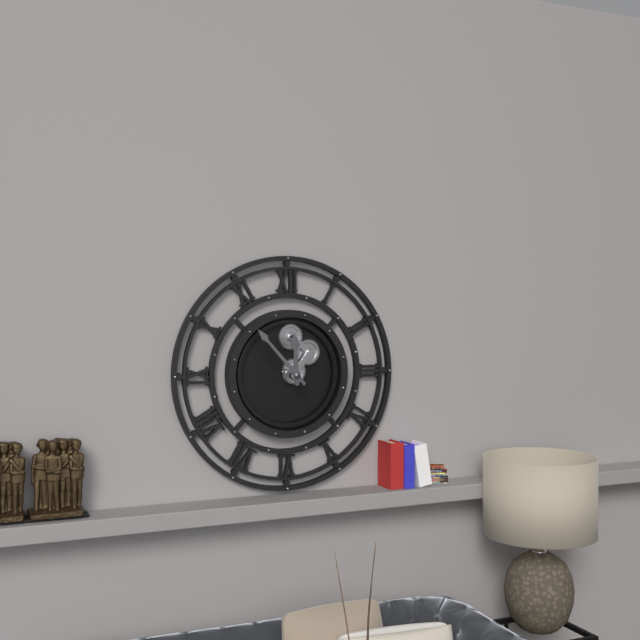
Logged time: 11:53
